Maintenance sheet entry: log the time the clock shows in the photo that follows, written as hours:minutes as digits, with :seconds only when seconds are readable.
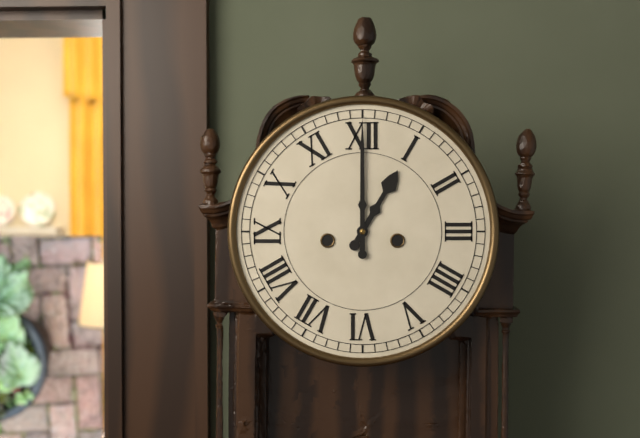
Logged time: 1:00
